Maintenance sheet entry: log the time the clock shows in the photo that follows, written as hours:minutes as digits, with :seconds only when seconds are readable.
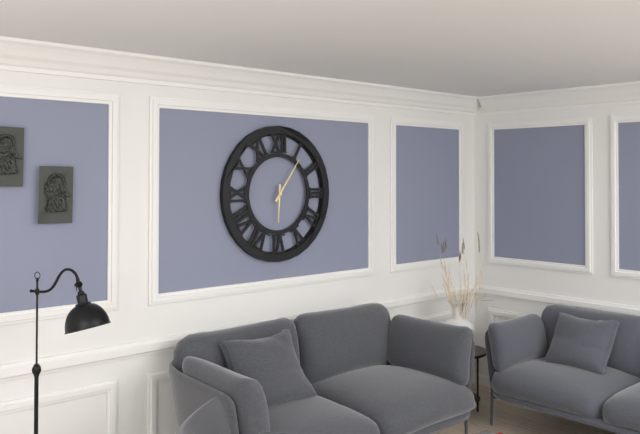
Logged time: 6:06
